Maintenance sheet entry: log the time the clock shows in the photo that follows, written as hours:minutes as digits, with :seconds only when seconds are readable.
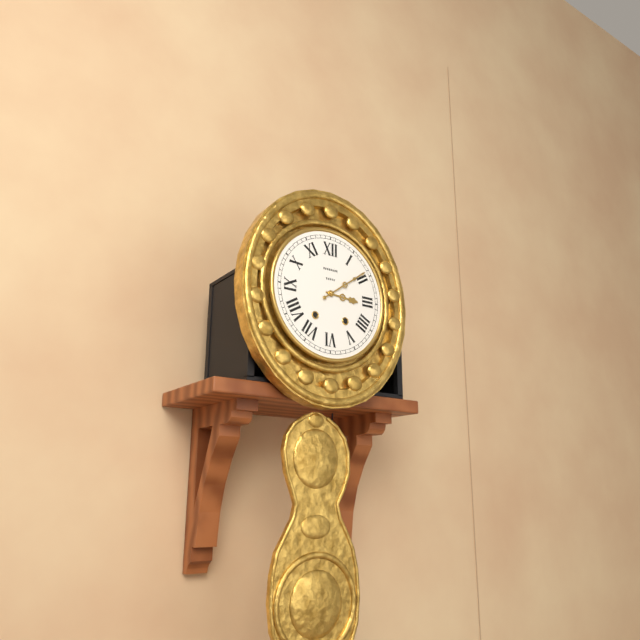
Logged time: 3:09
